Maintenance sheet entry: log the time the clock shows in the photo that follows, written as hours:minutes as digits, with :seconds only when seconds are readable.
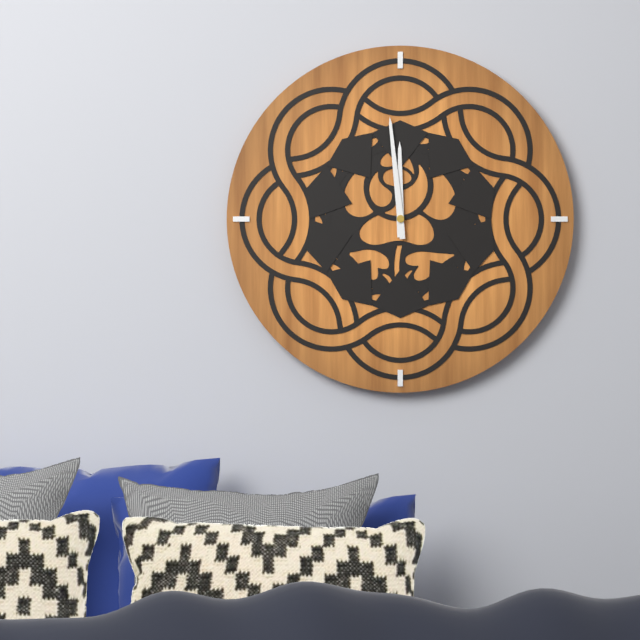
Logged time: 11:59
